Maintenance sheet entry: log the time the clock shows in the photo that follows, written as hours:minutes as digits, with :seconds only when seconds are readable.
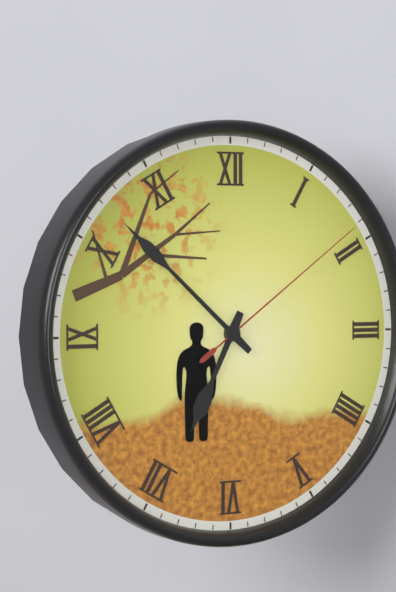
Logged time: 6:52:09
